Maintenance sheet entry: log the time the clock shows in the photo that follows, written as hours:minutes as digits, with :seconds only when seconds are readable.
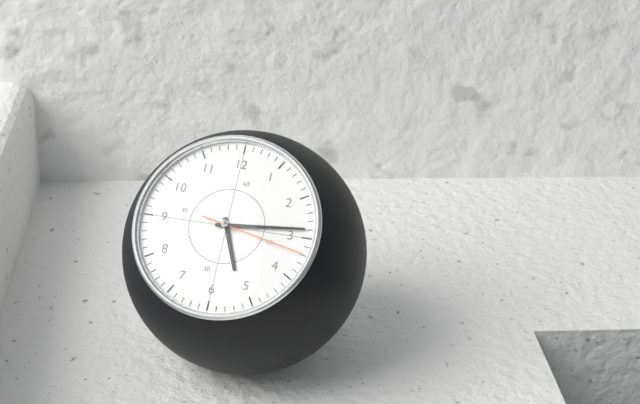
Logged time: 5:14:17
